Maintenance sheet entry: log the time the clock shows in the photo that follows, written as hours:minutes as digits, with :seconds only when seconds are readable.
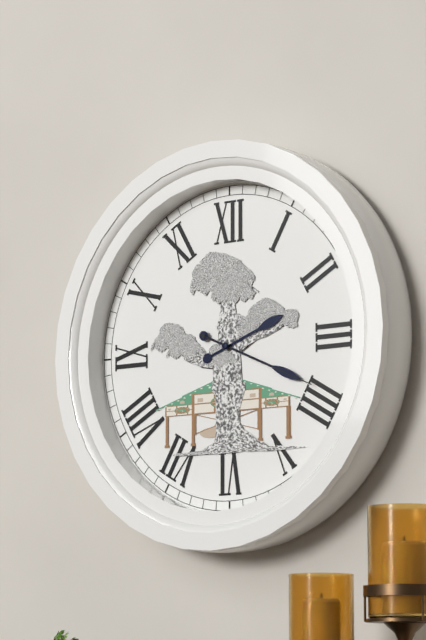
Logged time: 2:19:19
